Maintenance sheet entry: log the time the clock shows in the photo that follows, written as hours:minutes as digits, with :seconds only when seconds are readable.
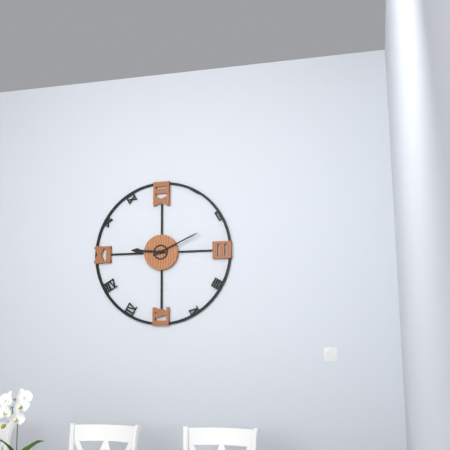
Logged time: 9:11
